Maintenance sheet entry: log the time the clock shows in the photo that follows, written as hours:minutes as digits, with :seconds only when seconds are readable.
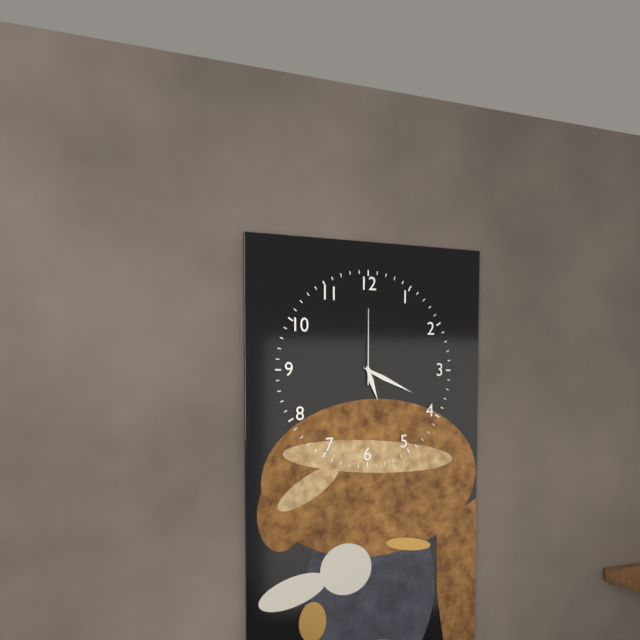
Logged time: 5:19:00
